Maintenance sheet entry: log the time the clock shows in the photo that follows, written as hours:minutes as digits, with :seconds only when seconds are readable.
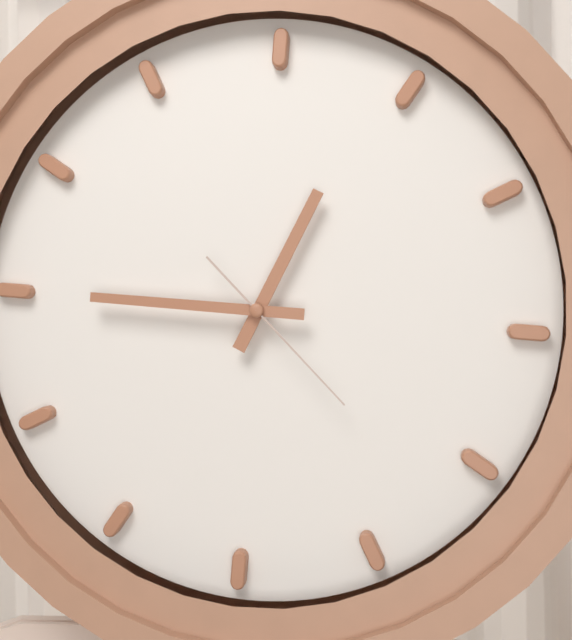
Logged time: 12:45:22
